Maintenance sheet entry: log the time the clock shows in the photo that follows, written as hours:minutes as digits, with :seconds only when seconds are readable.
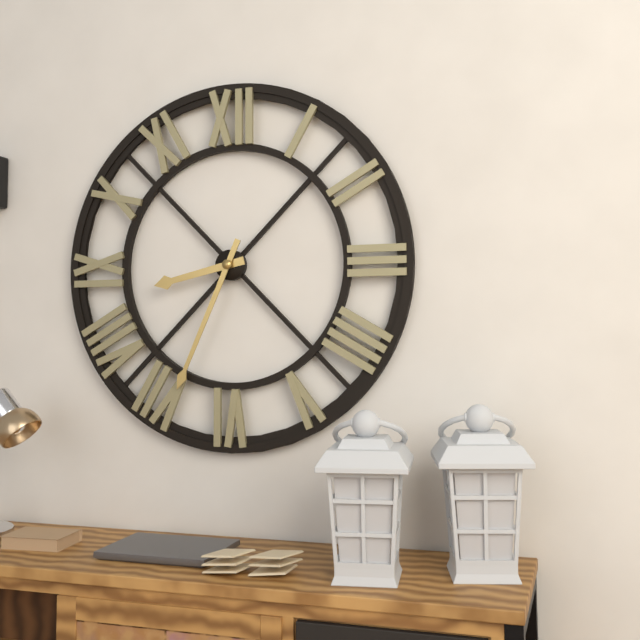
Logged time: 8:34
